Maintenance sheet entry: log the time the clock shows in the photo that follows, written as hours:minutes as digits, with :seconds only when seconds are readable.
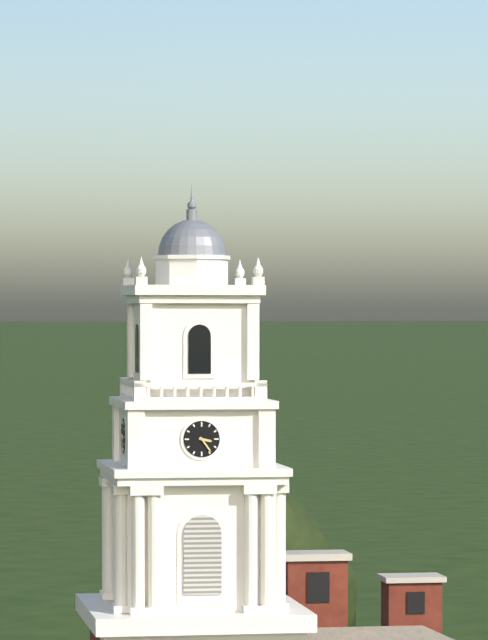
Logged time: 3:24
